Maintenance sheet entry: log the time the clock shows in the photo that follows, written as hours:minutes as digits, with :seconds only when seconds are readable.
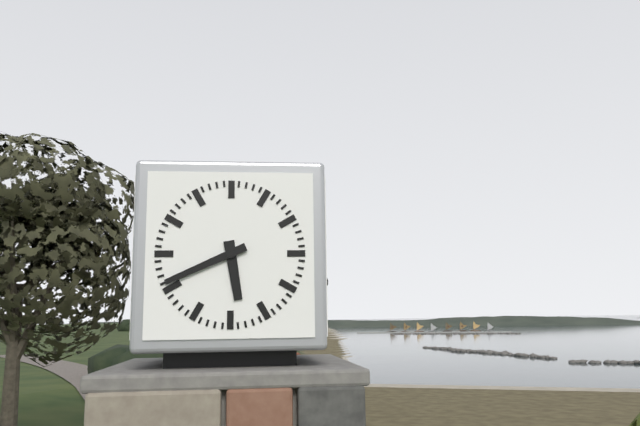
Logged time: 5:41
